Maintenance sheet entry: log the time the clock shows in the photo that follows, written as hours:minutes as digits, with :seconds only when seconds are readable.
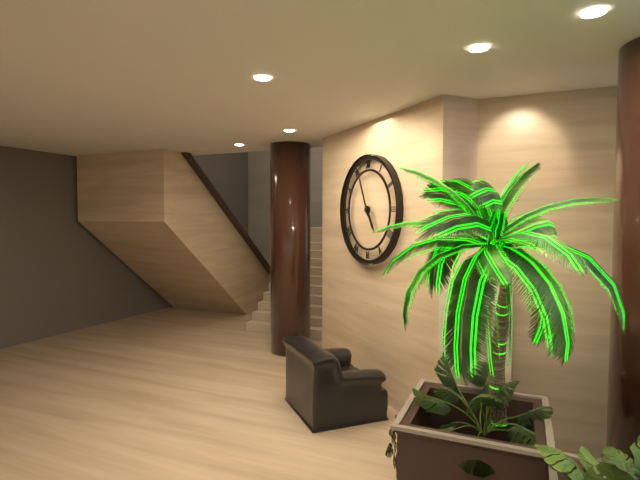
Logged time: 4:56
